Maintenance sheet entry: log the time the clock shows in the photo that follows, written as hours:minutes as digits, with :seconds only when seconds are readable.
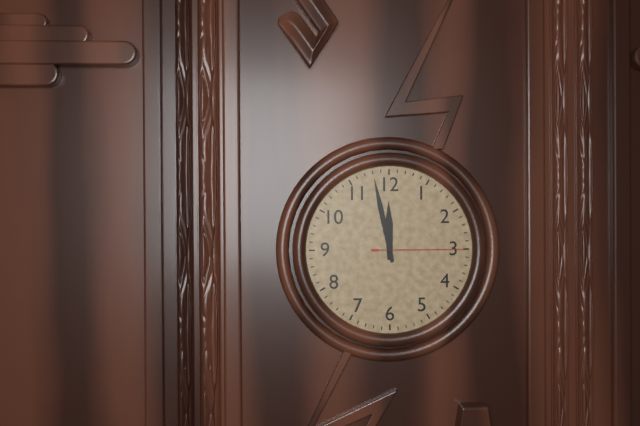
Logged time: 11:58:15
